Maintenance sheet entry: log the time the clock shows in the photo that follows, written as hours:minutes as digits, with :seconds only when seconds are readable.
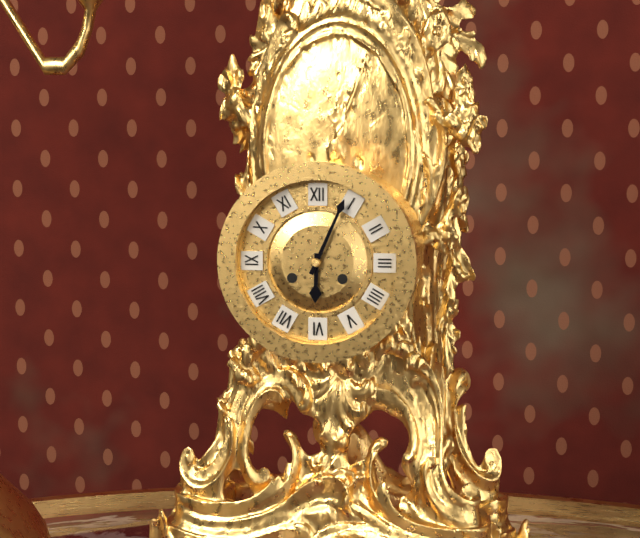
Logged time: 6:04
